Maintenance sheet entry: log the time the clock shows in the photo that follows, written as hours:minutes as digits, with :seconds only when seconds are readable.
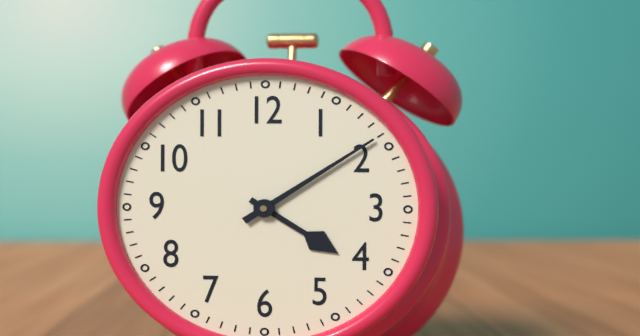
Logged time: 4:09
